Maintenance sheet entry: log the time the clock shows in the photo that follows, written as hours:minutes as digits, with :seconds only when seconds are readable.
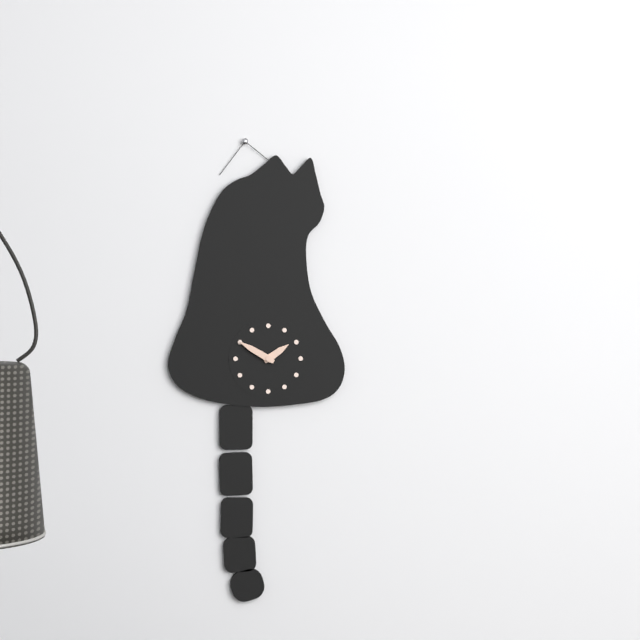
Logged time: 1:50
